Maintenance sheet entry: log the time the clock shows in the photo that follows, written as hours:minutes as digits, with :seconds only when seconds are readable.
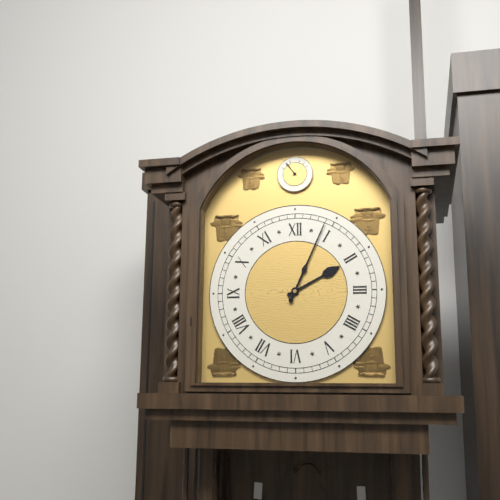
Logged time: 2:04
